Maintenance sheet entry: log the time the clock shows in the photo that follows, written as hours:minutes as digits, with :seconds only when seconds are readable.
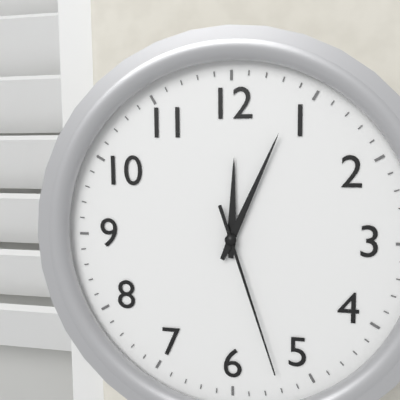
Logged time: 12:04:27
